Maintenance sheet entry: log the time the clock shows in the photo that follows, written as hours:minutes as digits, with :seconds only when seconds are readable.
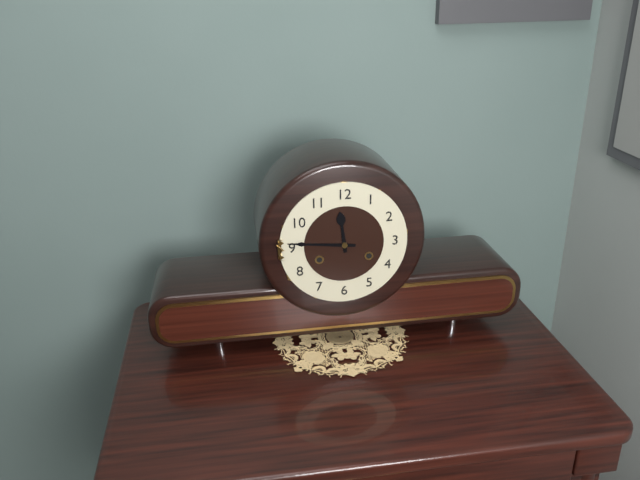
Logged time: 11:46
